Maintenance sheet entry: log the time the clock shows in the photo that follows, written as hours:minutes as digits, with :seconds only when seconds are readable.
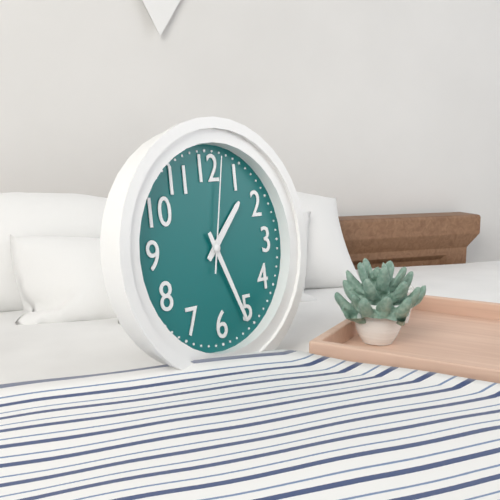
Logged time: 1:26:02
